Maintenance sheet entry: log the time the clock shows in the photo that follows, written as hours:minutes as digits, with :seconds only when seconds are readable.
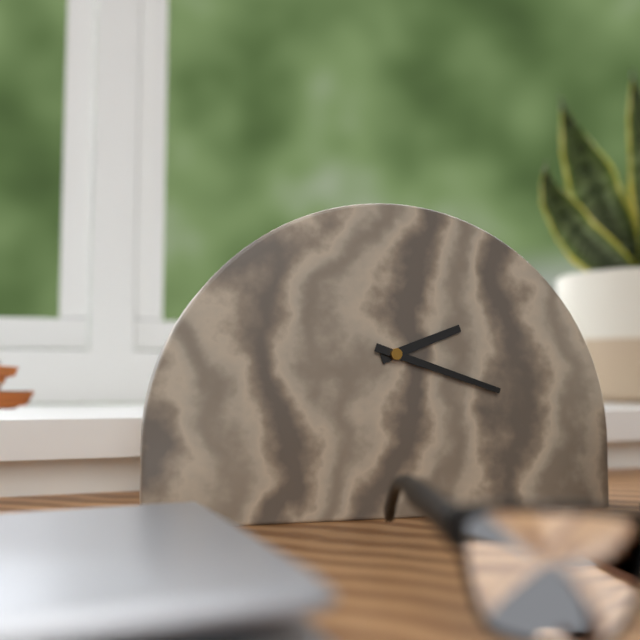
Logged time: 2:18
